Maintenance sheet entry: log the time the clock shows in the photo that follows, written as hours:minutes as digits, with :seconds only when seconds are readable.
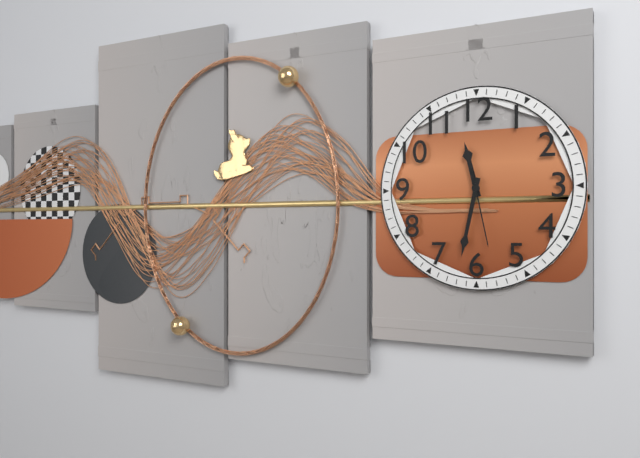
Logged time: 11:32:28
